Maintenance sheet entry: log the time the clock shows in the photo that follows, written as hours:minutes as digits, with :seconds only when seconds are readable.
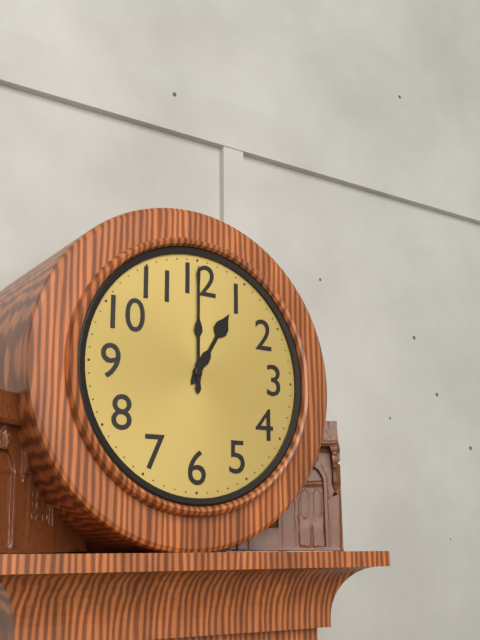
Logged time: 1:00
